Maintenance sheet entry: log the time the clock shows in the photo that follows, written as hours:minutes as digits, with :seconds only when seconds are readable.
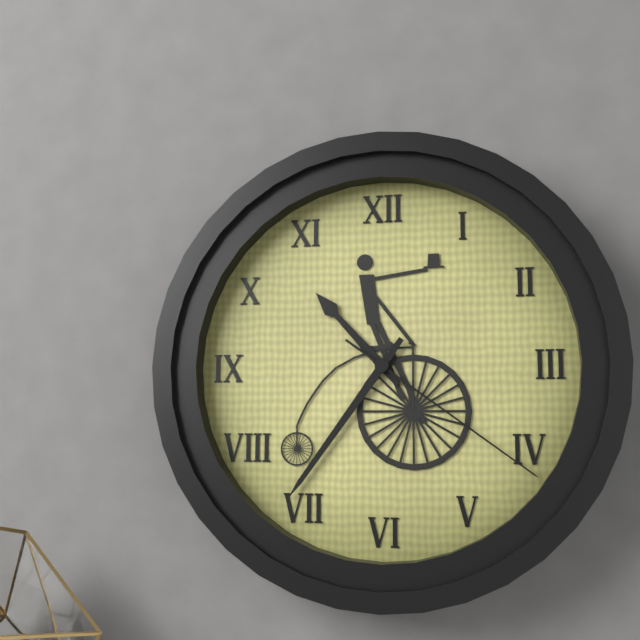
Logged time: 10:36:21
